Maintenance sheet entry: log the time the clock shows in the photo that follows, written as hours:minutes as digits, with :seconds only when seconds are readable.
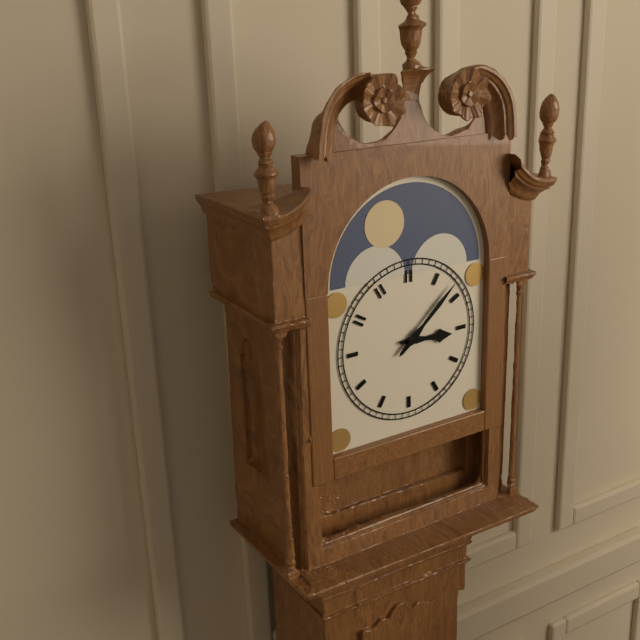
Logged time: 3:08
